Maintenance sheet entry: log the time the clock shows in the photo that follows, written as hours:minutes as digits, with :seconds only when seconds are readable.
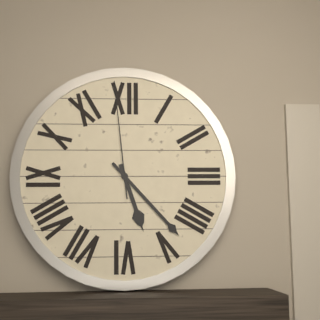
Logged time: 5:23:59
